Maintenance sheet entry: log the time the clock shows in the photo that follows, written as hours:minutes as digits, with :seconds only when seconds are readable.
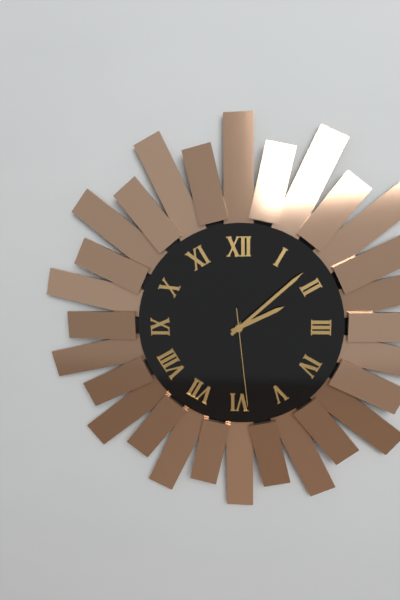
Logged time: 2:08:29
